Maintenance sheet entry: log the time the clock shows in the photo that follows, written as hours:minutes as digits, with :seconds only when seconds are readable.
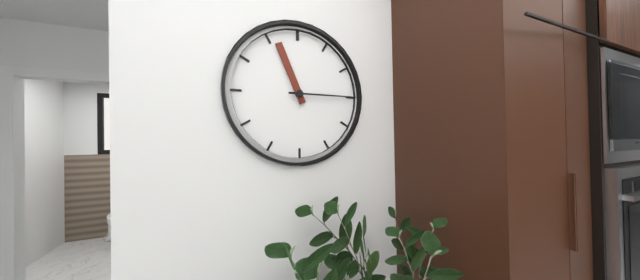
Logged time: 11:15
